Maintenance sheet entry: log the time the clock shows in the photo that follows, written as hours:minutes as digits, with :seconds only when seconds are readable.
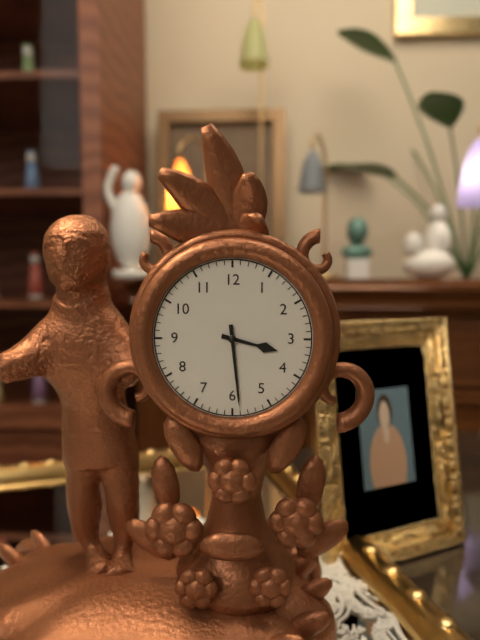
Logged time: 3:29
